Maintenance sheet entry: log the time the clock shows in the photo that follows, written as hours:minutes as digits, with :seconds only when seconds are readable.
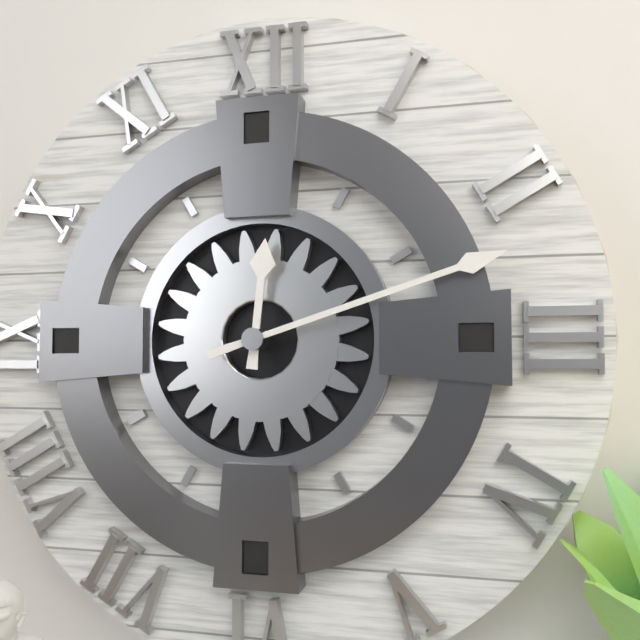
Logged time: 12:12
